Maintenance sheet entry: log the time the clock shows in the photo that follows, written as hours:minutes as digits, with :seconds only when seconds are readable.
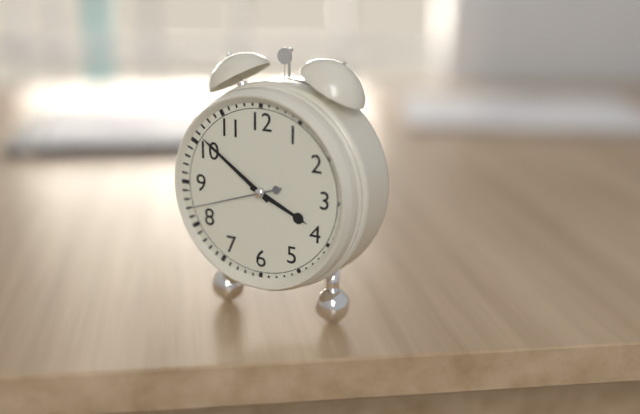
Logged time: 3:51:42
